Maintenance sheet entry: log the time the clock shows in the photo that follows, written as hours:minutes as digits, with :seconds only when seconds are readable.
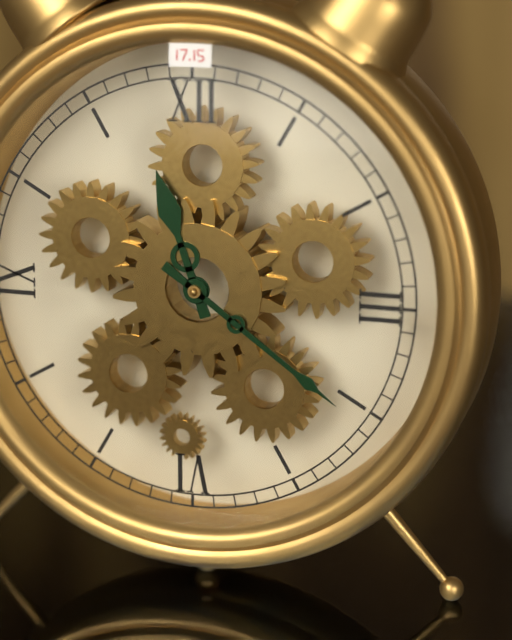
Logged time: 11:21
